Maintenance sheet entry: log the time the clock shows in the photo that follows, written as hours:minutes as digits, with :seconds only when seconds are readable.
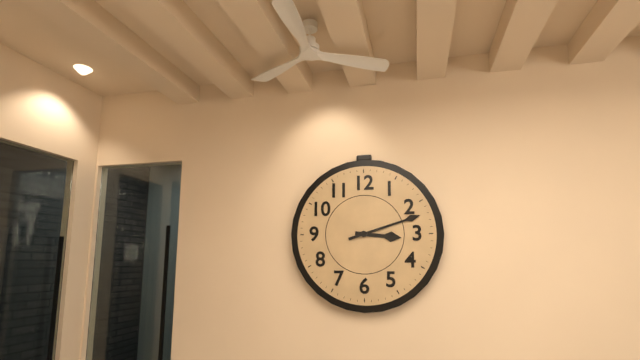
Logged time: 3:12
